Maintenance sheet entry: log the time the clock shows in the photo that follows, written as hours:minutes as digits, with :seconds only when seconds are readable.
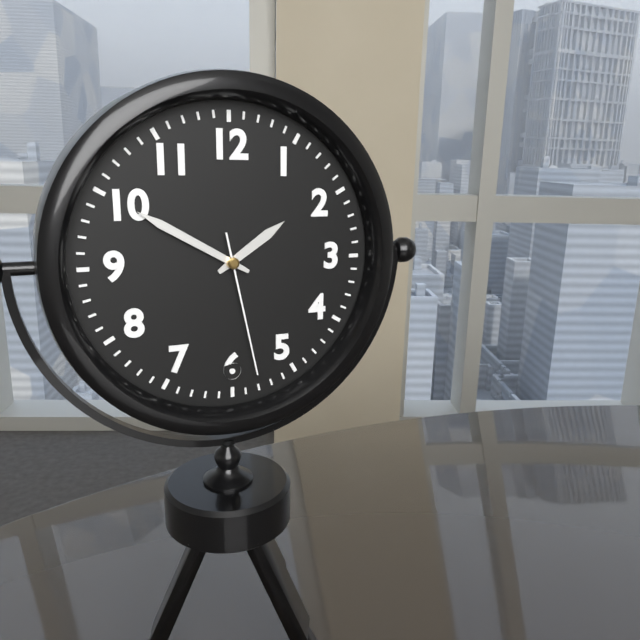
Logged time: 1:50:28
